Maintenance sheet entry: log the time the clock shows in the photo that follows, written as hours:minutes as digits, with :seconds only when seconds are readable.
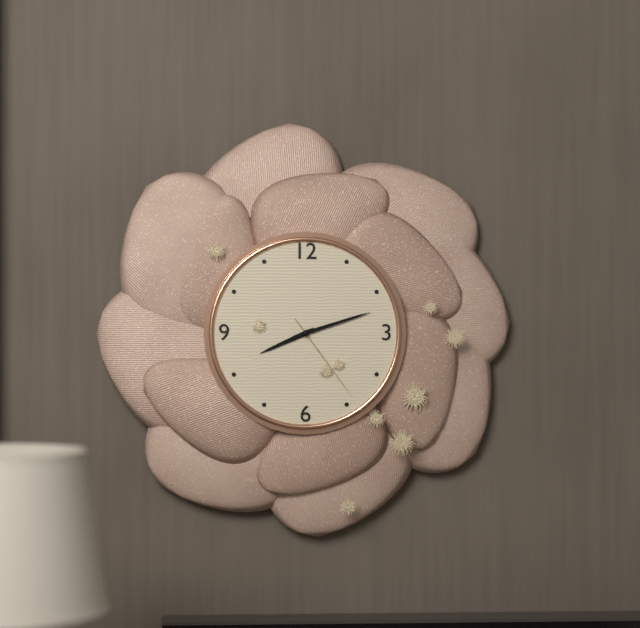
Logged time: 8:12:24
